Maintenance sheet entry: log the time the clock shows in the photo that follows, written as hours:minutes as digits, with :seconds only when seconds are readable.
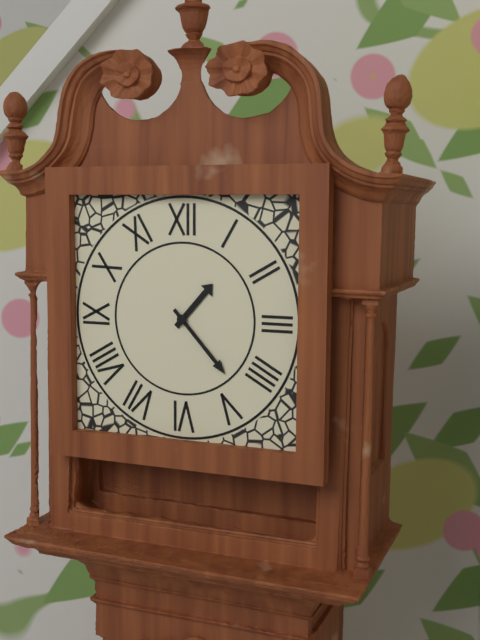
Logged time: 1:23
